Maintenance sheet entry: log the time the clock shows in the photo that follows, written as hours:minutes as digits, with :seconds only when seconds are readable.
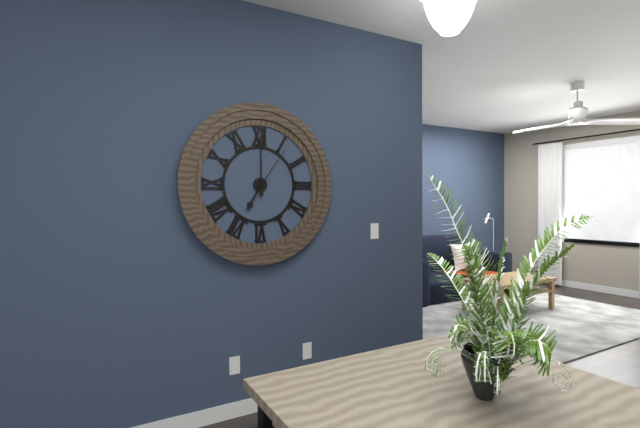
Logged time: 7:00:06
